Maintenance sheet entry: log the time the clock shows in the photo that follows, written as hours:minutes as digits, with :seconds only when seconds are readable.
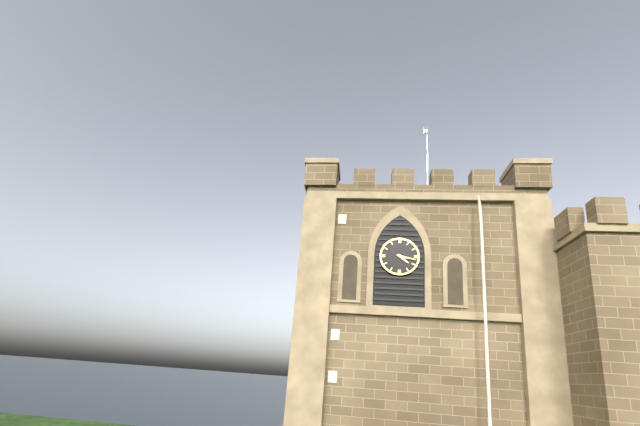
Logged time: 4:17
